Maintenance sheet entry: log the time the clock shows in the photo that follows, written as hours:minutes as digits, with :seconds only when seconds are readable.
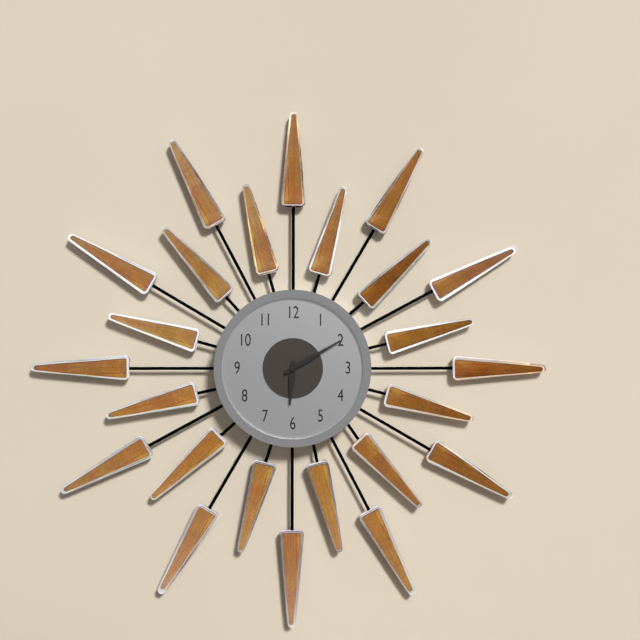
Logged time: 6:10
